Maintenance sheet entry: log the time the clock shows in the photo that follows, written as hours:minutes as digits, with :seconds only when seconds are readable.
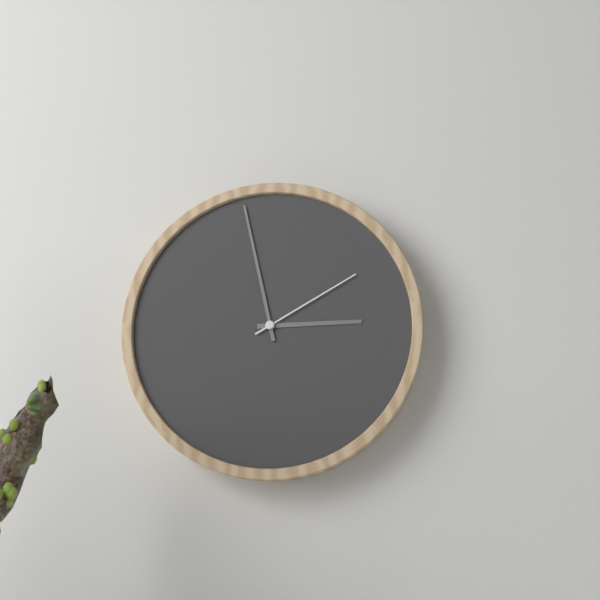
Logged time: 2:58:10
